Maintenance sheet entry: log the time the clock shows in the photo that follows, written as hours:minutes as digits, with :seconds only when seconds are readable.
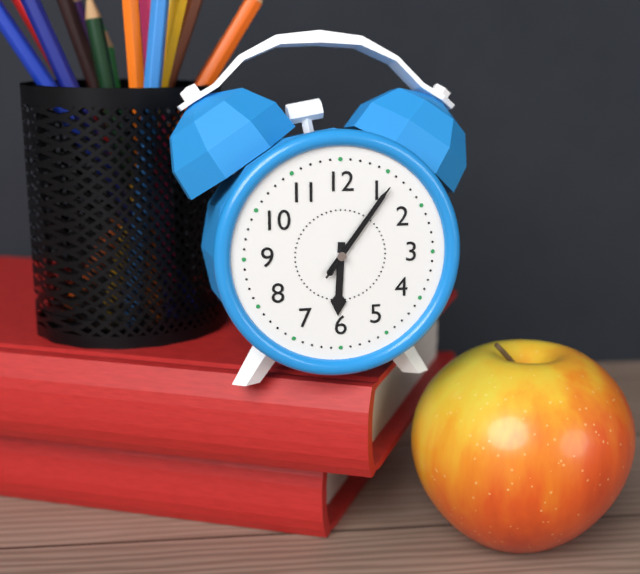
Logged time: 6:06:06
